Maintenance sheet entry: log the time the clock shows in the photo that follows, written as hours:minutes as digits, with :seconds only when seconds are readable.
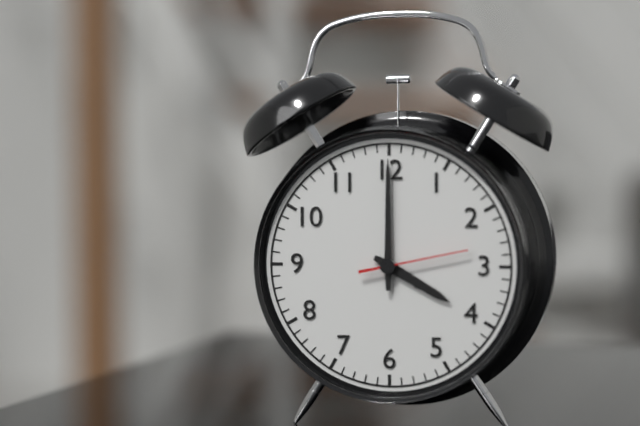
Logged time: 4:00:13
